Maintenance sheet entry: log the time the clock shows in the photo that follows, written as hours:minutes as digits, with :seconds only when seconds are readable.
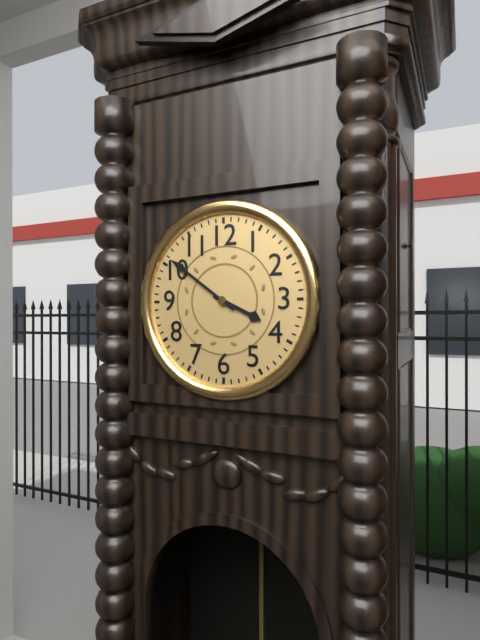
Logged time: 3:51
